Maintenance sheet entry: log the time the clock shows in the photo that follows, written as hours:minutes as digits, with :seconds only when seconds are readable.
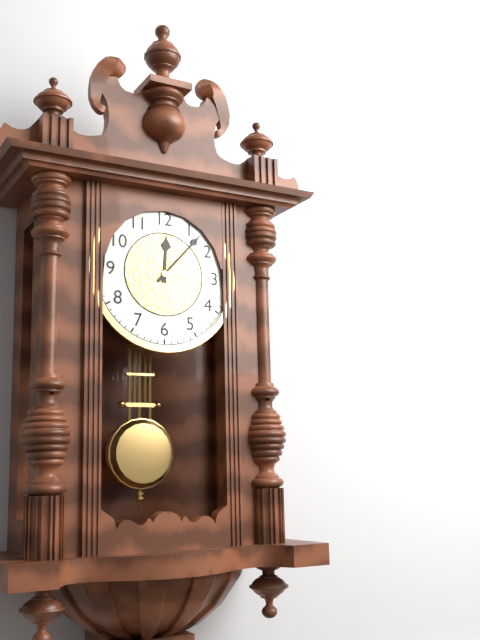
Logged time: 12:07
